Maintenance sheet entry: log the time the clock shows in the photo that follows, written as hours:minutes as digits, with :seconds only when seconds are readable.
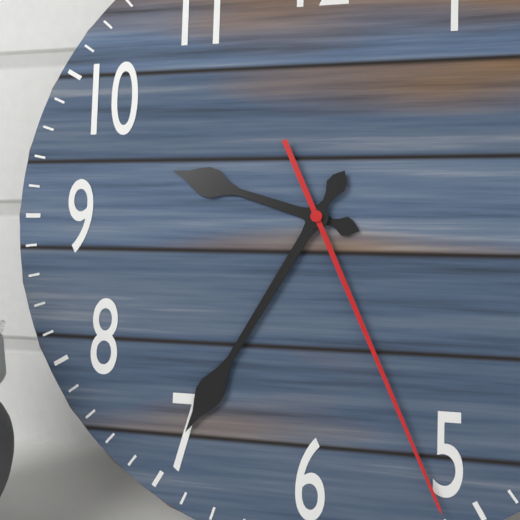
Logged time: 9:35:26
